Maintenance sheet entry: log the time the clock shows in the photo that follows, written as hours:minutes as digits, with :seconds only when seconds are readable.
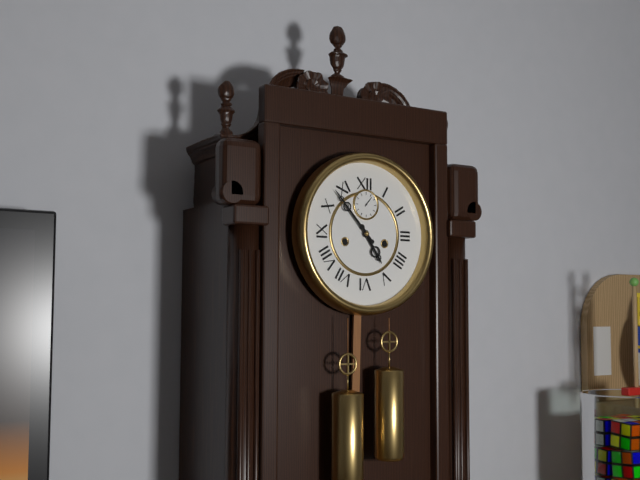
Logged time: 4:53
